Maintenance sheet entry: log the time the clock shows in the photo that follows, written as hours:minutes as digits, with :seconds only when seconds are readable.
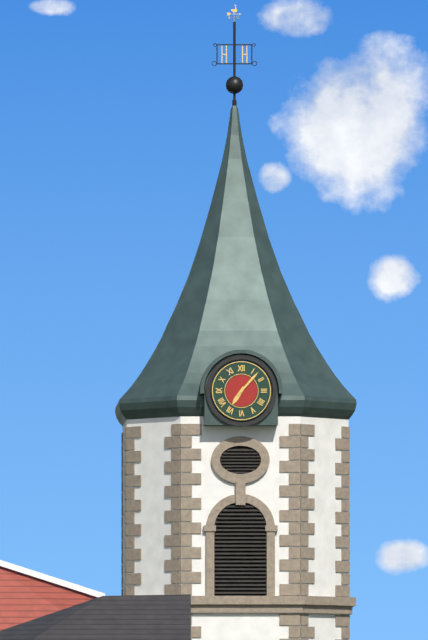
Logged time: 7:07
